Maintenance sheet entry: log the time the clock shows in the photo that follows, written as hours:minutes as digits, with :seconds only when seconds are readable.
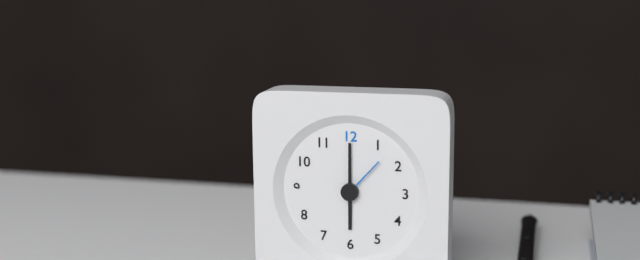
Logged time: 6:00:07
